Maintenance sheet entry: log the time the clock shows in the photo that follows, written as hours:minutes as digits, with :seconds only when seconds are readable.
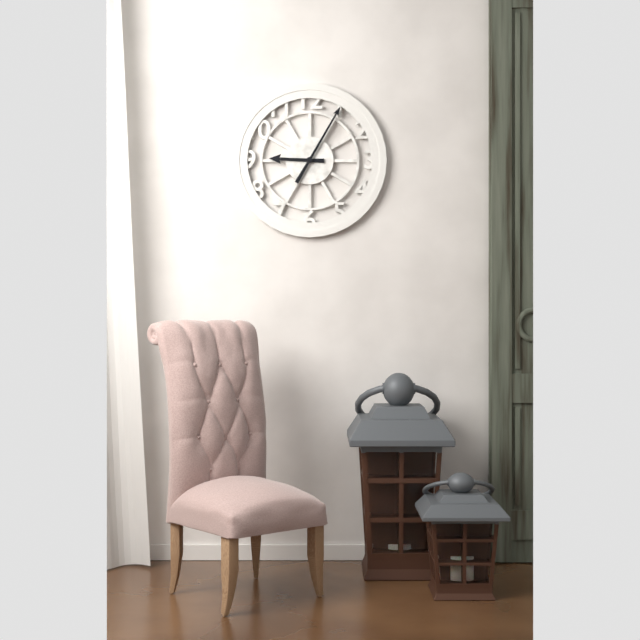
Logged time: 9:05
